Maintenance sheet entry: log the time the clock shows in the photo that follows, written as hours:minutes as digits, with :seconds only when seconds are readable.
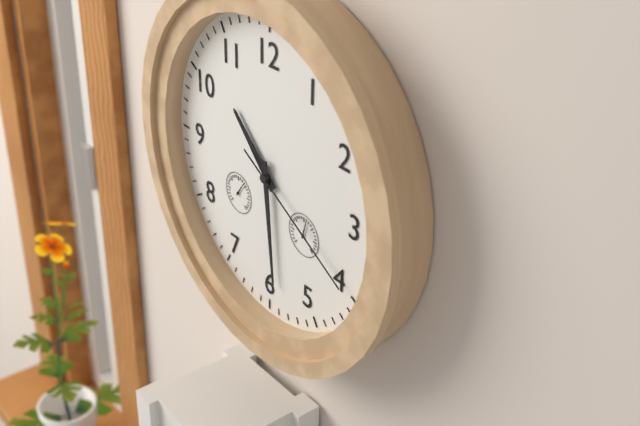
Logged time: 10:29:20
